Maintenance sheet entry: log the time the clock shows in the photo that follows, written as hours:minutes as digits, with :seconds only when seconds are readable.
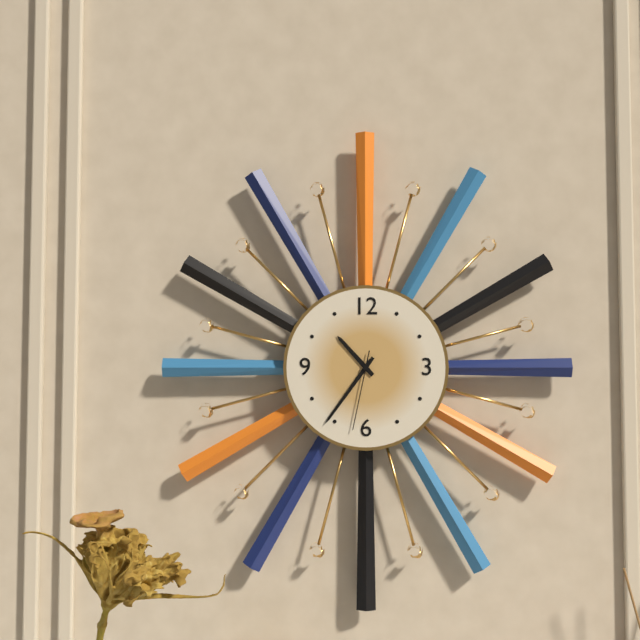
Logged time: 10:36:32
